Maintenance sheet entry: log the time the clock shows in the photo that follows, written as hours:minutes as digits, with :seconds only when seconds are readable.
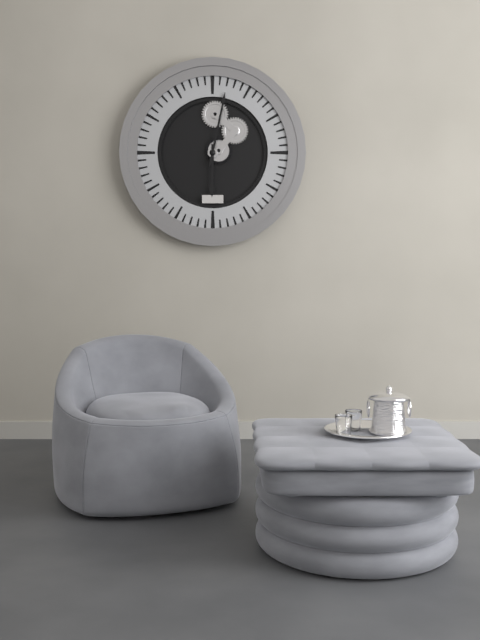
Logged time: 6:02
